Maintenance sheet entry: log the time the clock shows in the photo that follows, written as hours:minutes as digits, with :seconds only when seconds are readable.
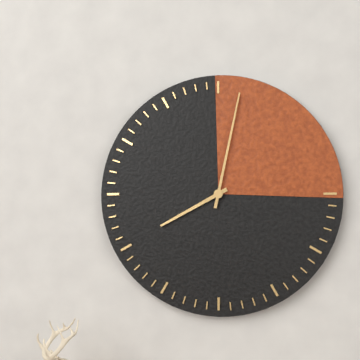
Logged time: 8:02
